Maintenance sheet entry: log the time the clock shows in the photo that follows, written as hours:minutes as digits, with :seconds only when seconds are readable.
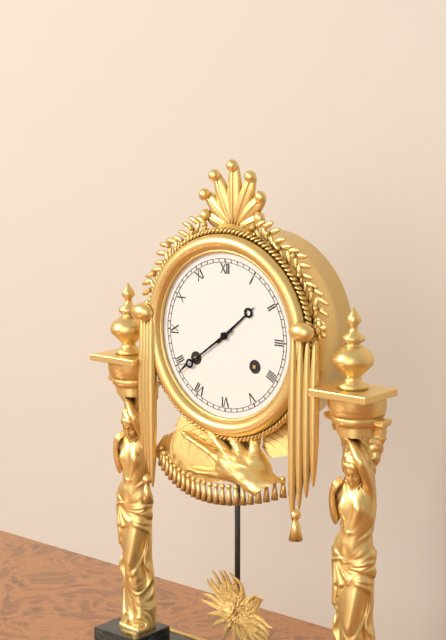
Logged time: 1:39
